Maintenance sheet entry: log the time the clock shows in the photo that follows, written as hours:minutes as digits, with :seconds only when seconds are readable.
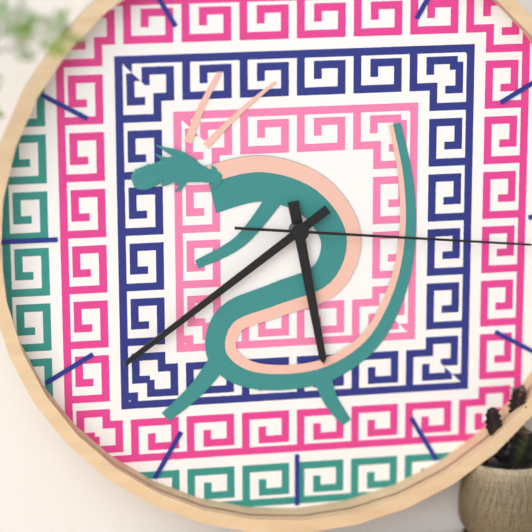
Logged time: 5:39
